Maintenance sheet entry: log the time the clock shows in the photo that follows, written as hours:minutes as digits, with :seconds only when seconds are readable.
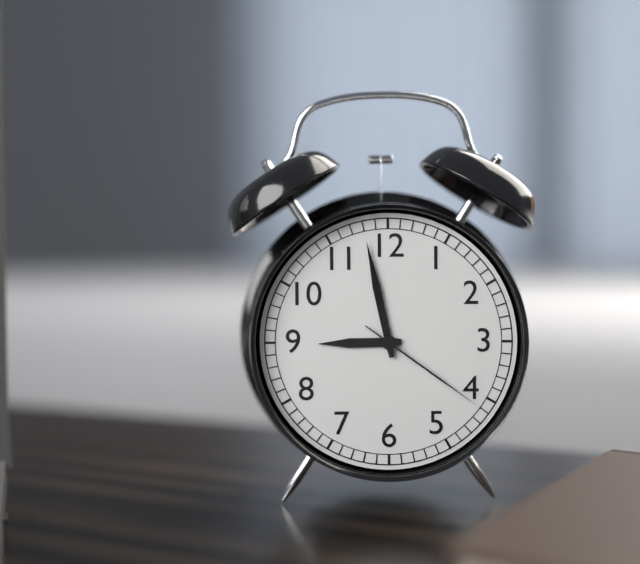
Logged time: 8:58:21
